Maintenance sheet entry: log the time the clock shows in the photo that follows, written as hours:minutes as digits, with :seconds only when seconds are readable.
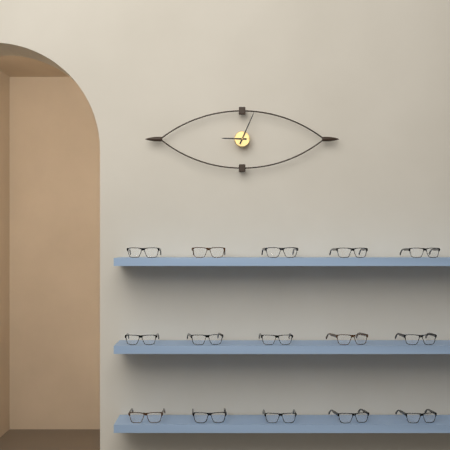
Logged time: 9:04
